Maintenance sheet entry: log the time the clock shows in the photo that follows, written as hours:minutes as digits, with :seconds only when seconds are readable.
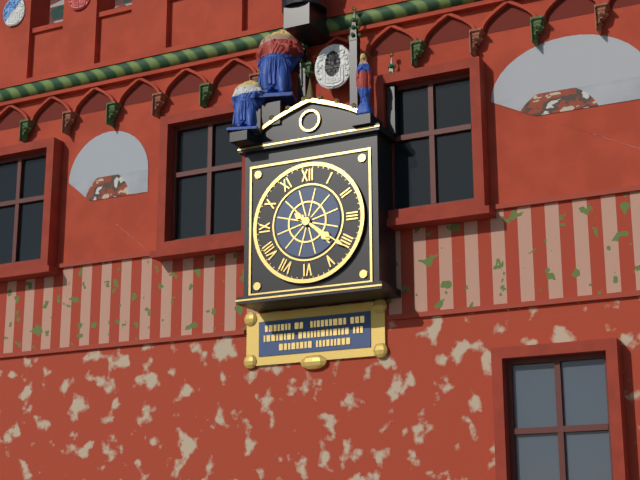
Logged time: 4:21
